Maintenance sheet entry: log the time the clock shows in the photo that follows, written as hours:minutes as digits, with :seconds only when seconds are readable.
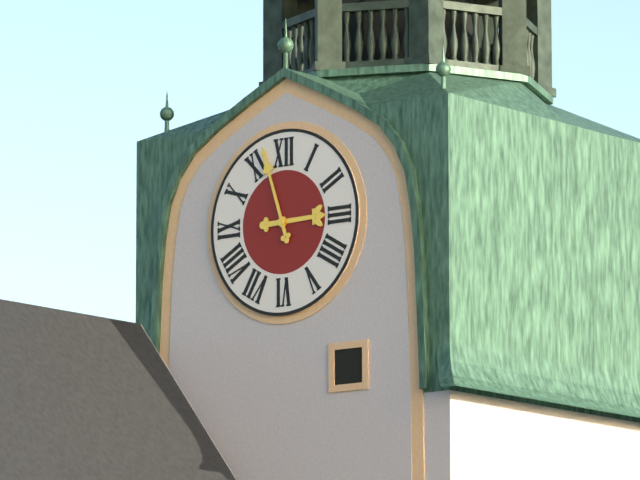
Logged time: 2:57
